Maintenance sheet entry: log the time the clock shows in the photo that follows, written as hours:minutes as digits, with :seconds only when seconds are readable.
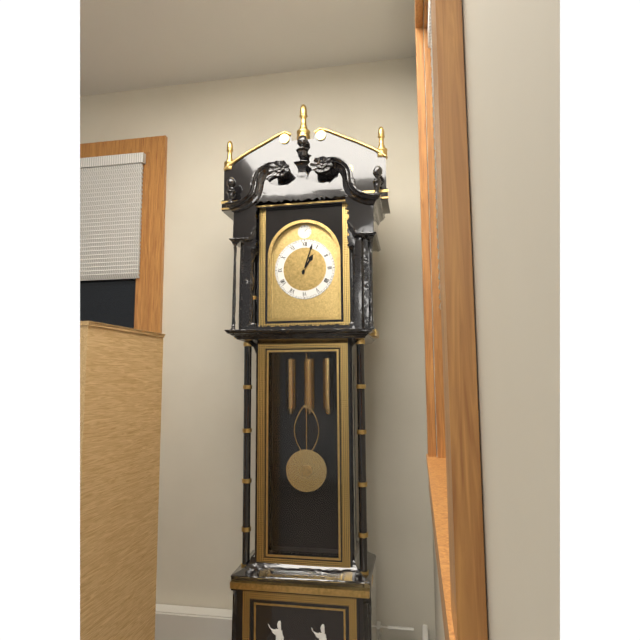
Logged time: 1:03
